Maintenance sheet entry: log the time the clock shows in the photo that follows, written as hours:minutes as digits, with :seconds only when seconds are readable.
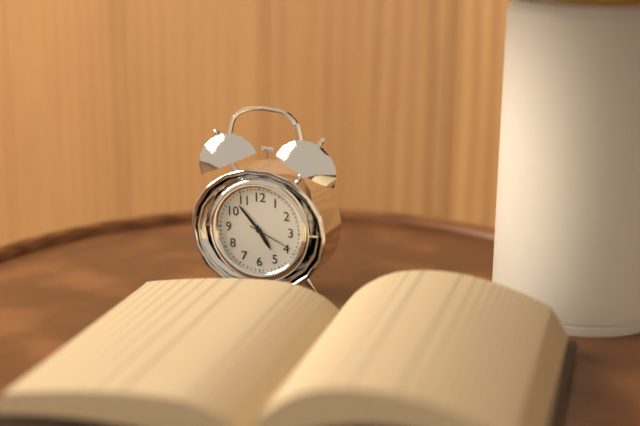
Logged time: 4:53
